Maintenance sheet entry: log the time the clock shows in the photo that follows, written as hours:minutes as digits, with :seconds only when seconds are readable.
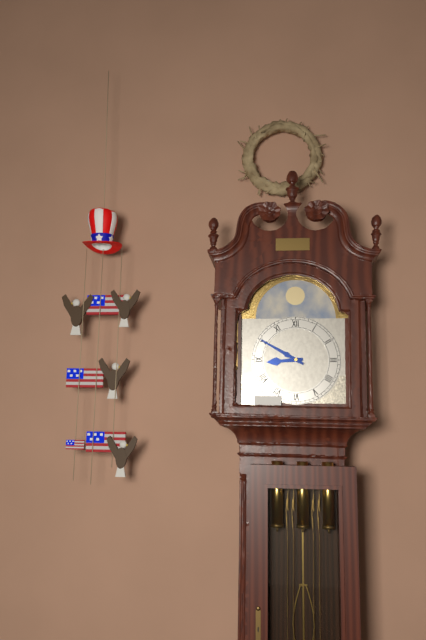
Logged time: 8:50
